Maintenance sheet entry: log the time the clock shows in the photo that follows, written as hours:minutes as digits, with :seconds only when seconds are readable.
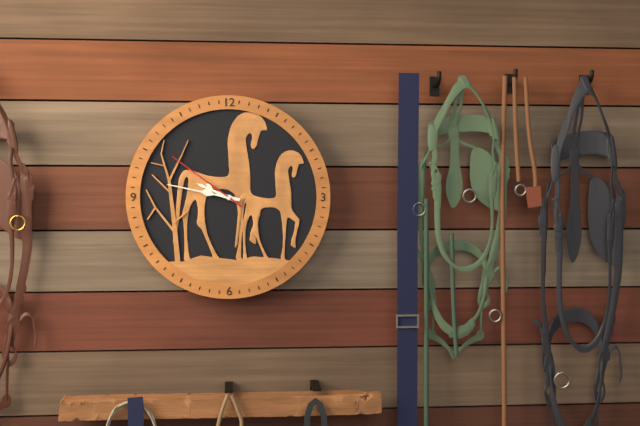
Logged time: 9:47:51
